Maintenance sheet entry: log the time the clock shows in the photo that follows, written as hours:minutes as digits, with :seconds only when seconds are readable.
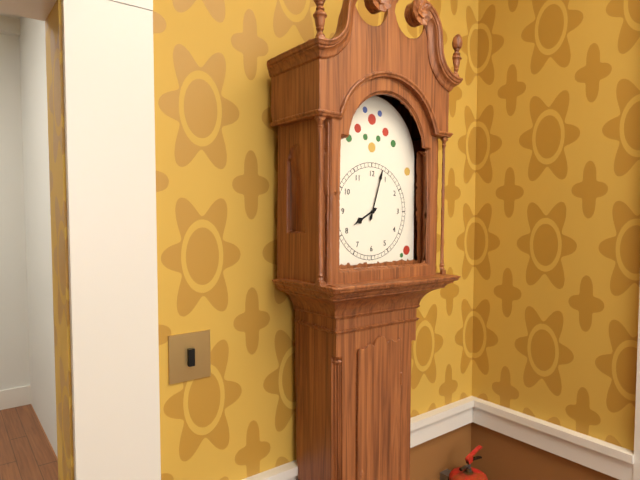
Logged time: 8:03
